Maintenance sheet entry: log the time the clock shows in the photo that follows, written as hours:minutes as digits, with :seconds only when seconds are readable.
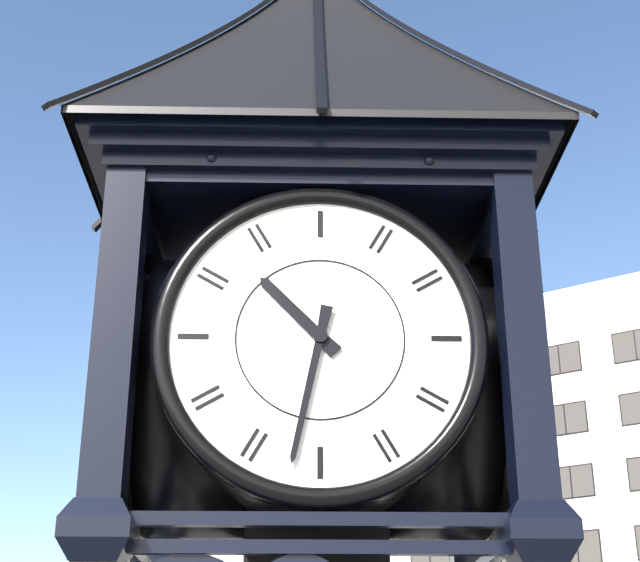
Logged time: 10:32
